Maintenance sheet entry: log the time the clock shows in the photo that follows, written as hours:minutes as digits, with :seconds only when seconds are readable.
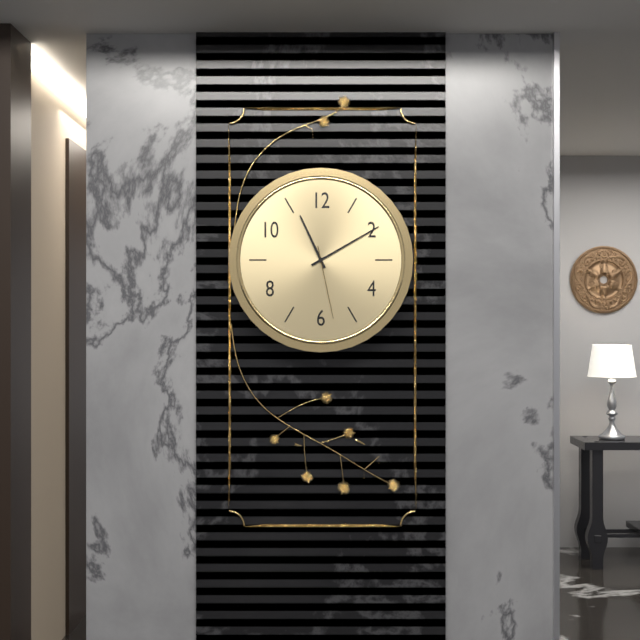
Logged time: 11:10:28
